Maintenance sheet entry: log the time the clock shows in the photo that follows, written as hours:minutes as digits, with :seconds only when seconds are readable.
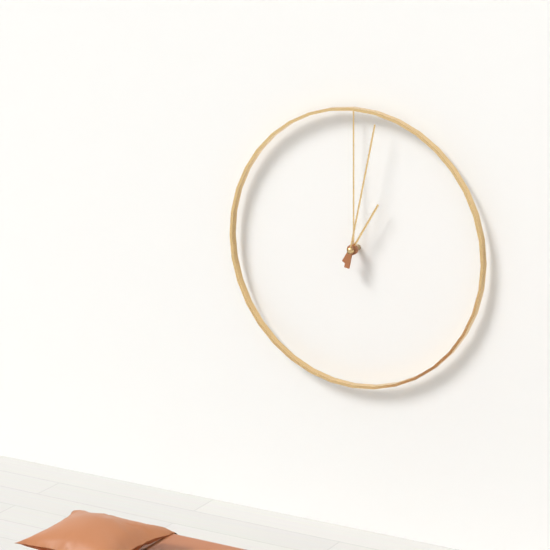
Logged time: 1:02
